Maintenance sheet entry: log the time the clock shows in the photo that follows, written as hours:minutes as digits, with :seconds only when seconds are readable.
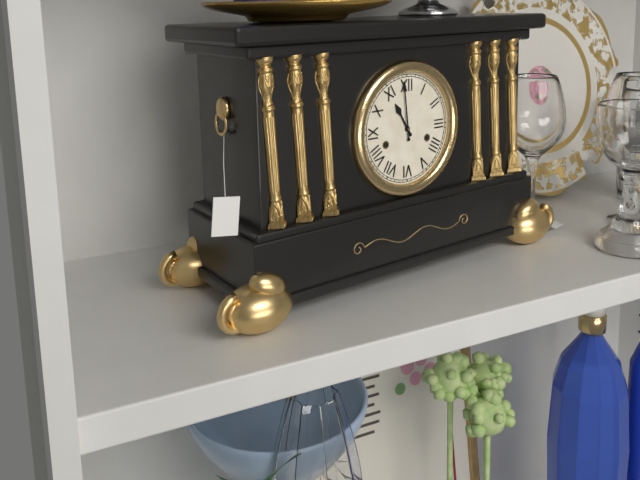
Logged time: 10:59
